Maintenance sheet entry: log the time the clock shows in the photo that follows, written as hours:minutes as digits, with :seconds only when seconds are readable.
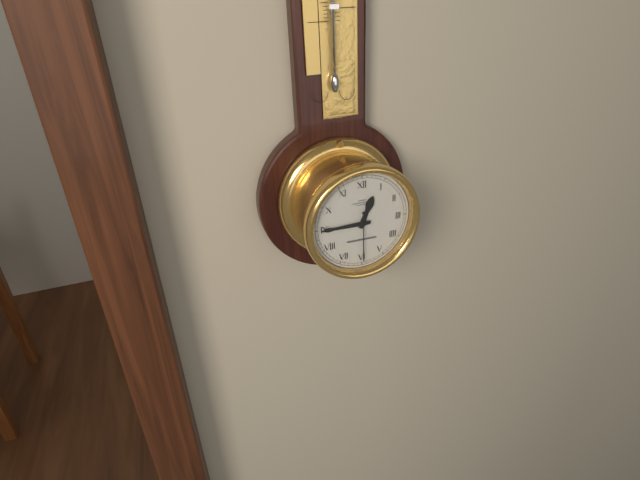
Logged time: 12:45
